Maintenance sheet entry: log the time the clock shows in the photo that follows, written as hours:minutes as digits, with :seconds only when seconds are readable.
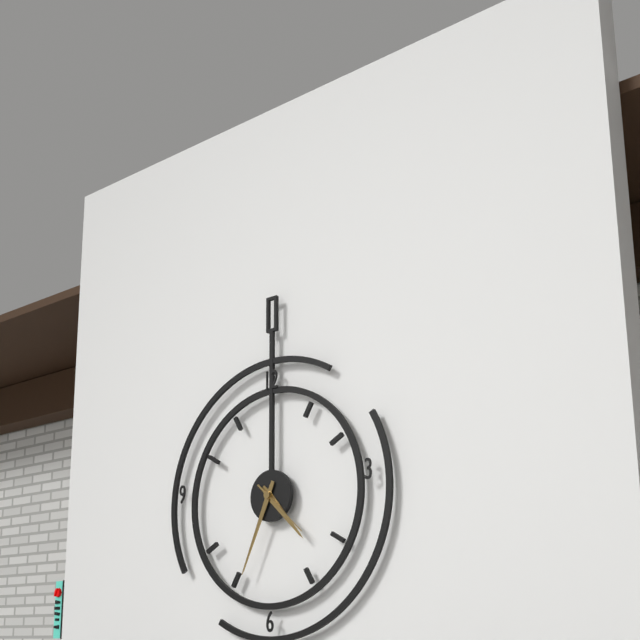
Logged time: 4:34:22
